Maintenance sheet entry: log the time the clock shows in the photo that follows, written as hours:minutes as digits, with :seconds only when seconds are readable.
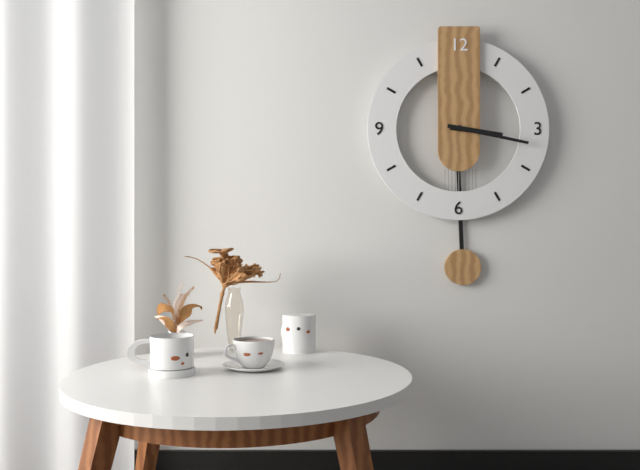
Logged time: 3:17
